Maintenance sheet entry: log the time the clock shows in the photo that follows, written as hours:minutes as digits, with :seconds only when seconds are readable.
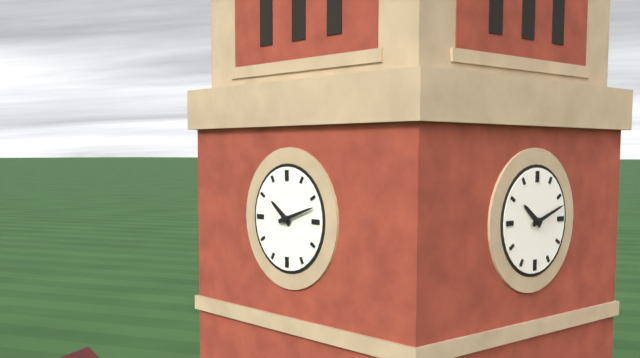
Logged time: 10:12
